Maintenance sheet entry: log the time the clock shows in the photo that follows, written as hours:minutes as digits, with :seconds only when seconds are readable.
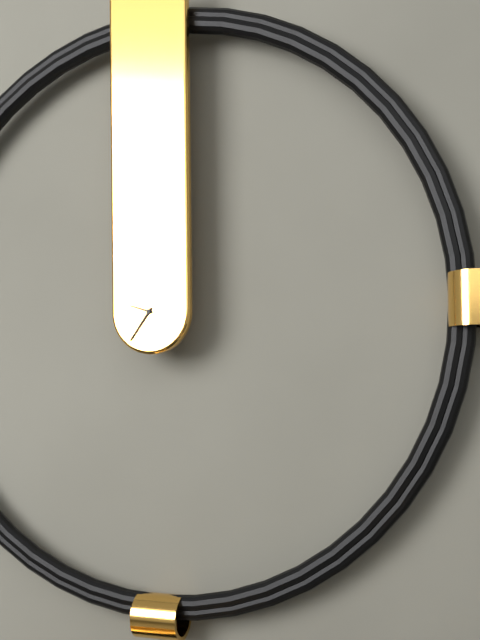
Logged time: 9:36
